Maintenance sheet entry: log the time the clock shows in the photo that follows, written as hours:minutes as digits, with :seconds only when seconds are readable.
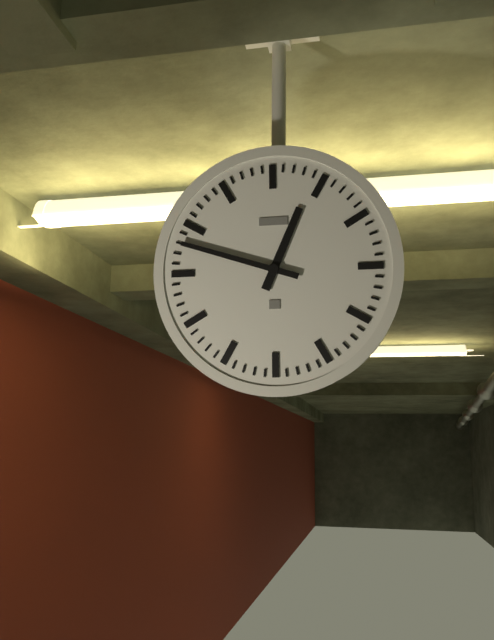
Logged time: 12:48
